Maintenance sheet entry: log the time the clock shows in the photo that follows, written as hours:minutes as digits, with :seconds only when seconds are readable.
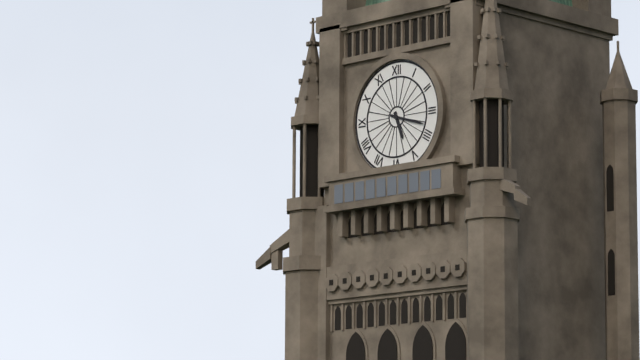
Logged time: 5:18
